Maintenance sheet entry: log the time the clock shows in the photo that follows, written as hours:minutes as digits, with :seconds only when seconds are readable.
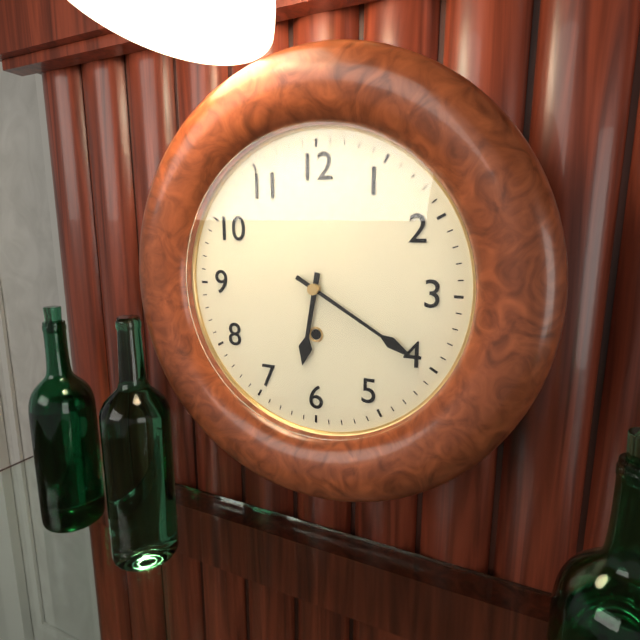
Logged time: 6:20
